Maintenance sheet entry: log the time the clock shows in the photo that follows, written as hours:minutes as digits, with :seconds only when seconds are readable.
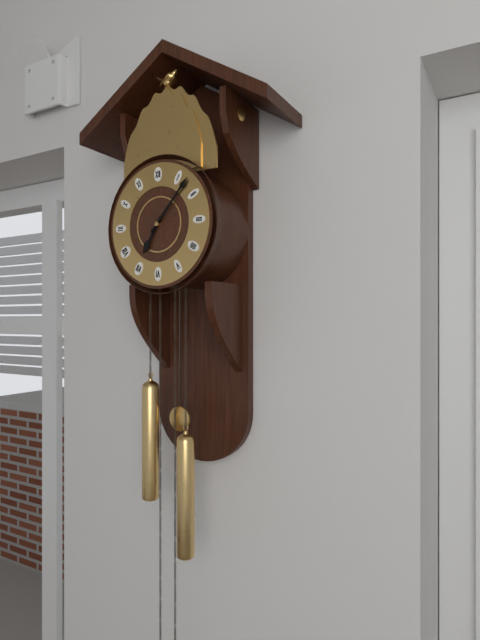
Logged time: 7:07
